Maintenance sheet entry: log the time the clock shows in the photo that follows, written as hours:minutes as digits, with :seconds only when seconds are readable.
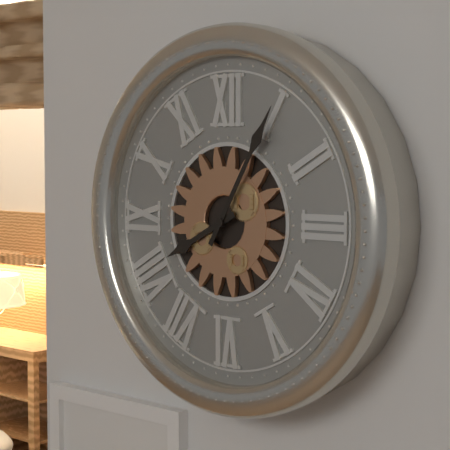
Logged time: 8:05
